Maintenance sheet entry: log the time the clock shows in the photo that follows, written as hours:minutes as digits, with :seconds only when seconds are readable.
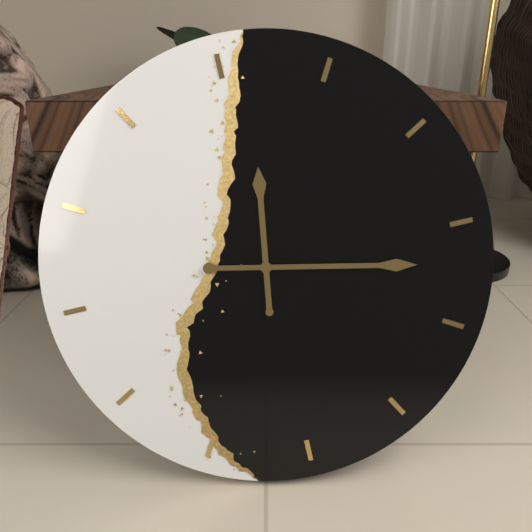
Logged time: 12:17
